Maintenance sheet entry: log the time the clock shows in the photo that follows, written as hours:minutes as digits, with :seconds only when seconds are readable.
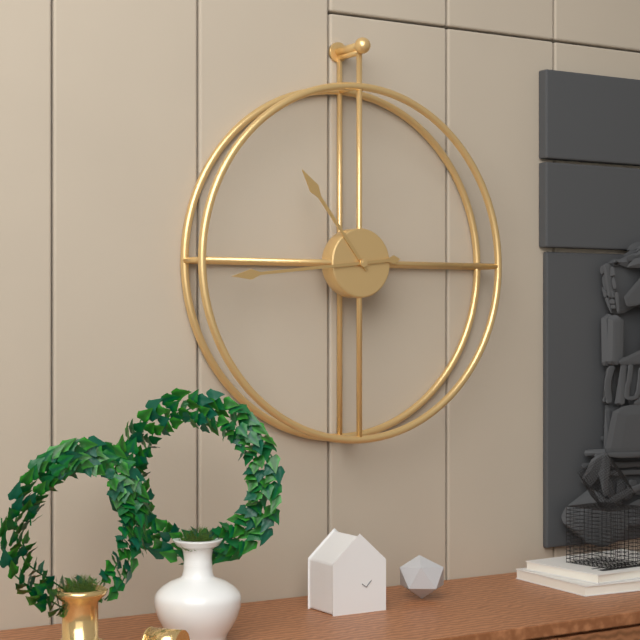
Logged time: 10:44
